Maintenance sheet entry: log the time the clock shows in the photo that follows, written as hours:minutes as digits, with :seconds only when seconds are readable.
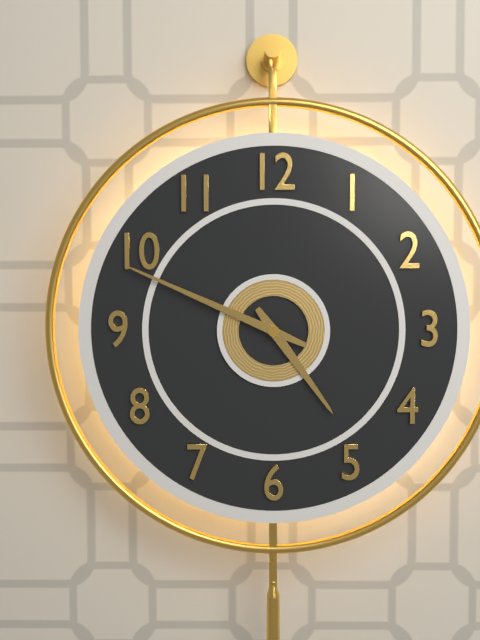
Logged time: 4:49
